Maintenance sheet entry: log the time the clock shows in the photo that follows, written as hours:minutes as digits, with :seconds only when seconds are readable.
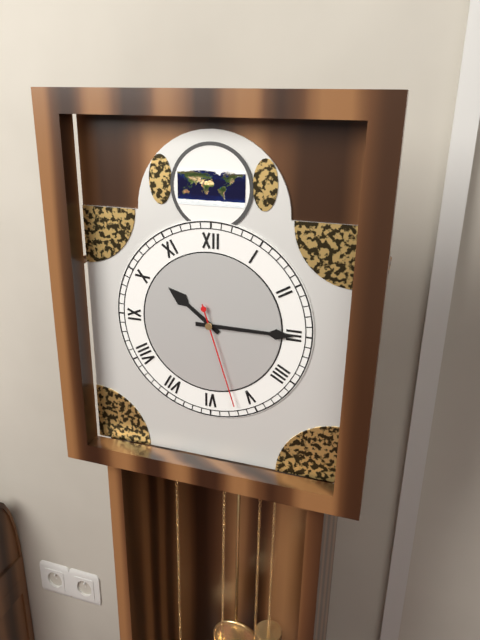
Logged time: 10:15:27
